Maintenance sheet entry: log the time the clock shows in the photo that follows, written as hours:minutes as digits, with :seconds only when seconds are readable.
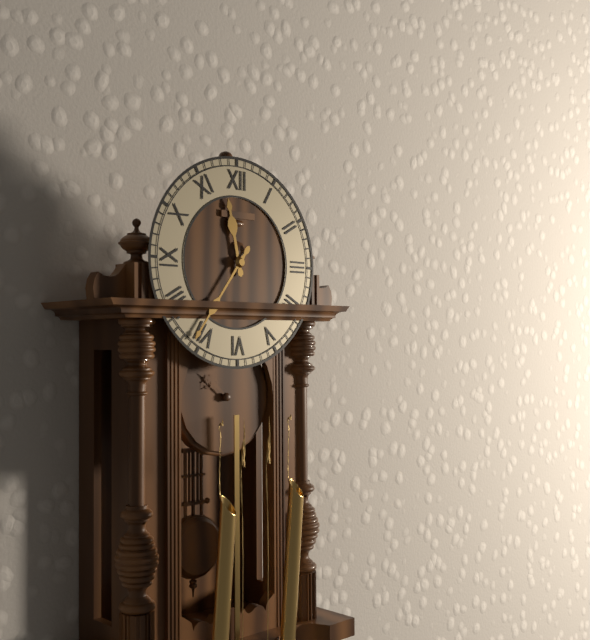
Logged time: 11:36
